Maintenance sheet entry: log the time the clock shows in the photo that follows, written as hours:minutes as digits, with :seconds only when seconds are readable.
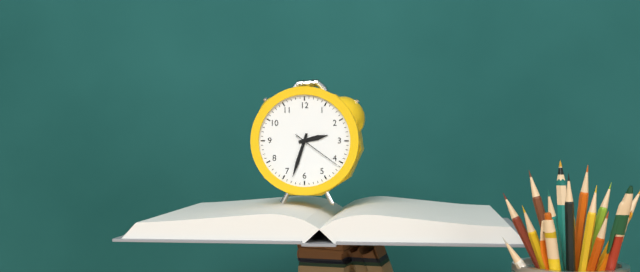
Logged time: 2:33:21
